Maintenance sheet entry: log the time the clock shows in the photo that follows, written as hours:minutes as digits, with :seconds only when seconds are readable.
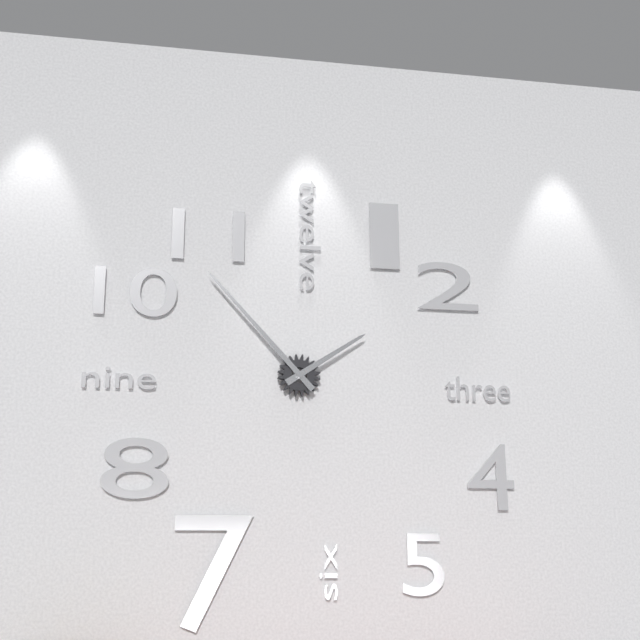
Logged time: 1:53
